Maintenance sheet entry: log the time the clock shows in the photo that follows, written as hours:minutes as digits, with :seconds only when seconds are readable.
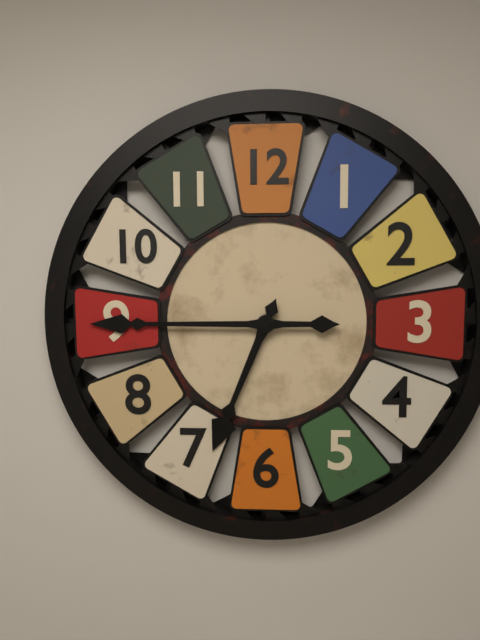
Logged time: 6:45
